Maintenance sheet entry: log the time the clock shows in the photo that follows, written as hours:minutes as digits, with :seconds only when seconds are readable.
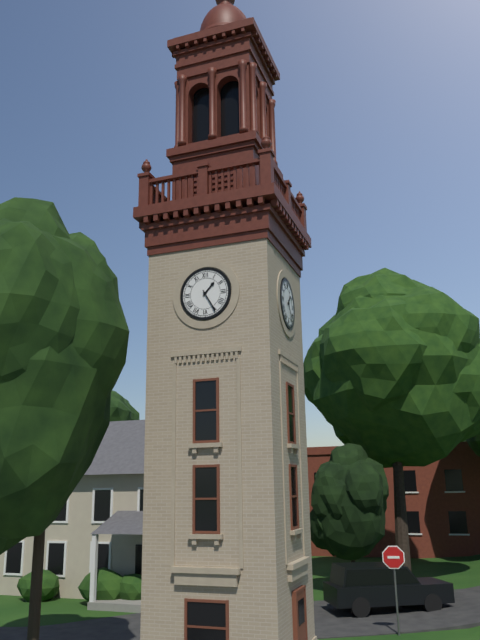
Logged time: 1:25
